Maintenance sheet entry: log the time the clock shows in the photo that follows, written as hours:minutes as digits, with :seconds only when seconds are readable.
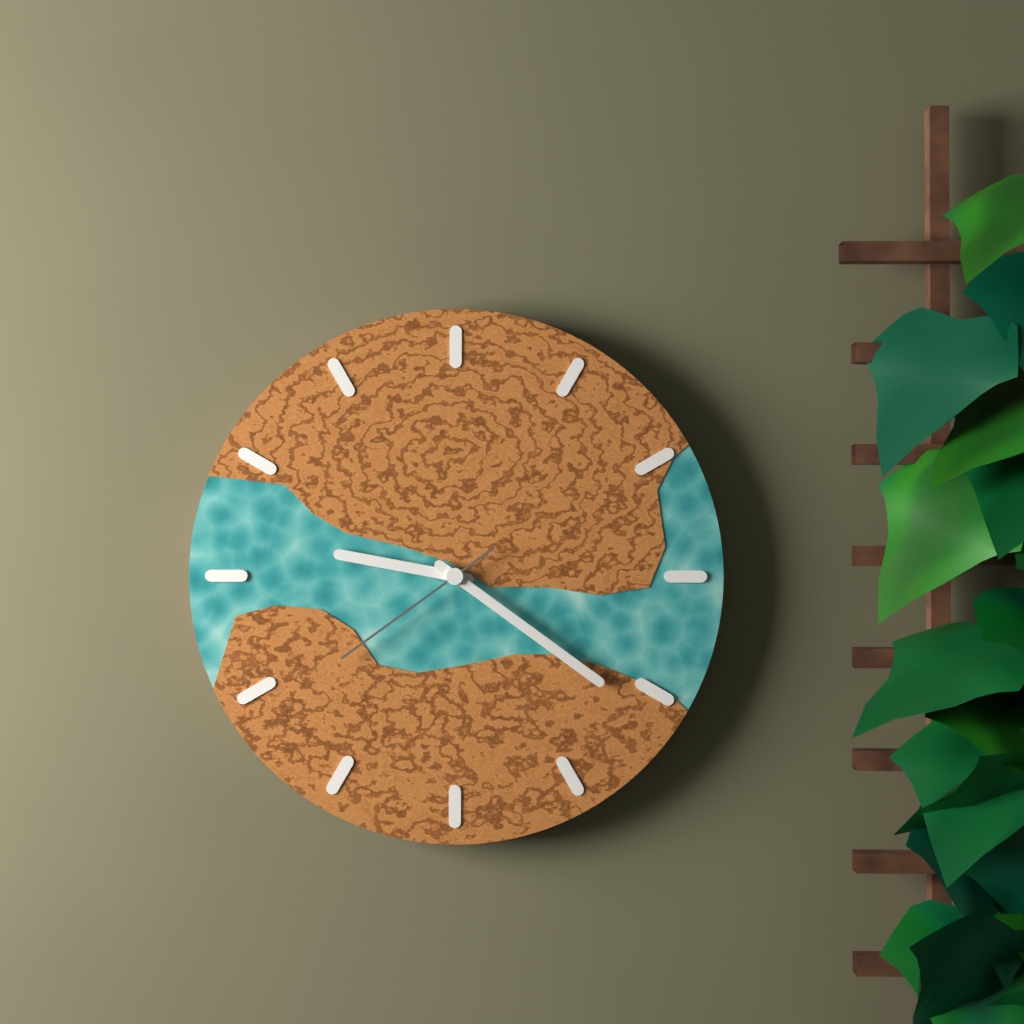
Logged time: 9:21:39
